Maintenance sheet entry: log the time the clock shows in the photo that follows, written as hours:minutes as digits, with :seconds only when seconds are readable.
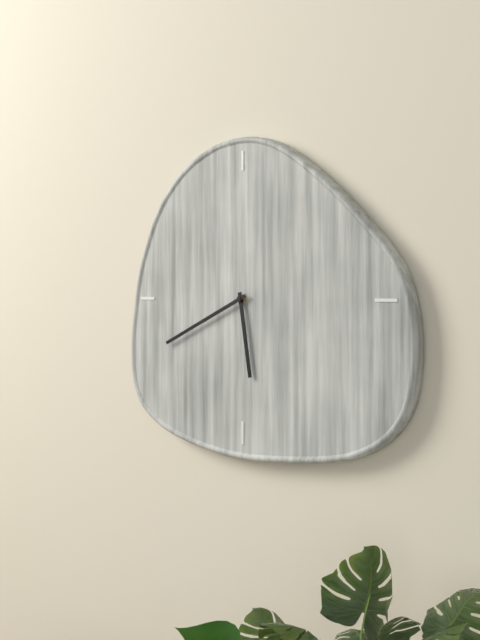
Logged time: 5:41
